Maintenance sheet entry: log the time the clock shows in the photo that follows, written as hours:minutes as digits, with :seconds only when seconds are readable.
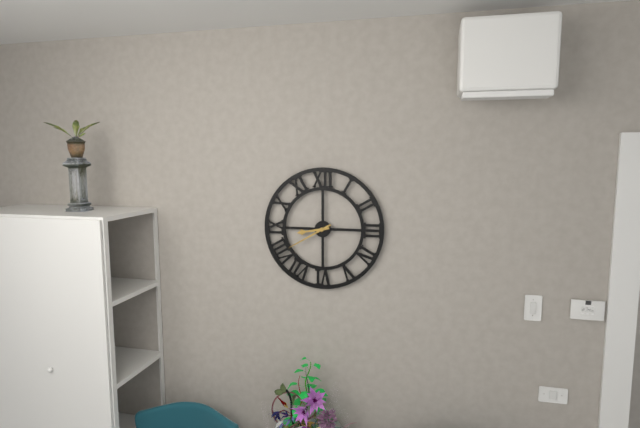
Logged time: 8:40
